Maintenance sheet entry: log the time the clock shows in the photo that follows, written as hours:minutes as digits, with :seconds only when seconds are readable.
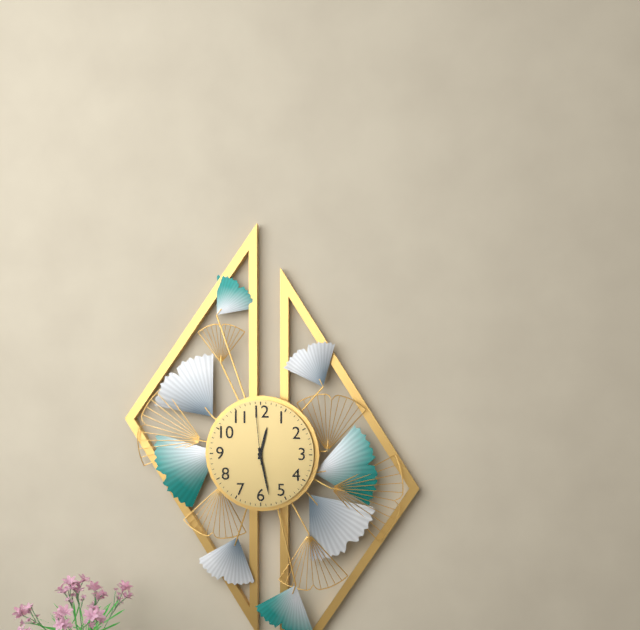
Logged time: 12:28:59
